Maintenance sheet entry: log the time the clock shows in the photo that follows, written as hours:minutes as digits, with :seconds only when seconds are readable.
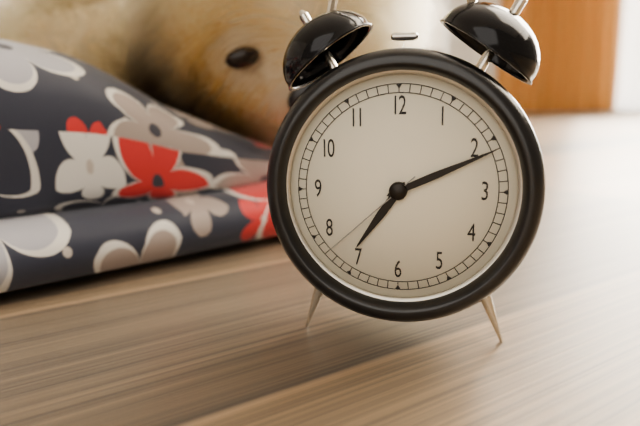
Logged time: 7:11:38
